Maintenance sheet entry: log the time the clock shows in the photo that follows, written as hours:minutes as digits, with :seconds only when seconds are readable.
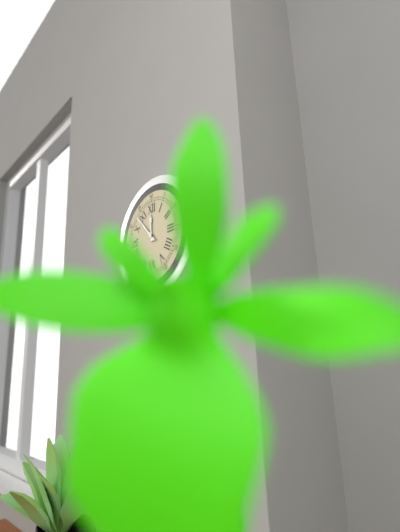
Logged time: 11:53
